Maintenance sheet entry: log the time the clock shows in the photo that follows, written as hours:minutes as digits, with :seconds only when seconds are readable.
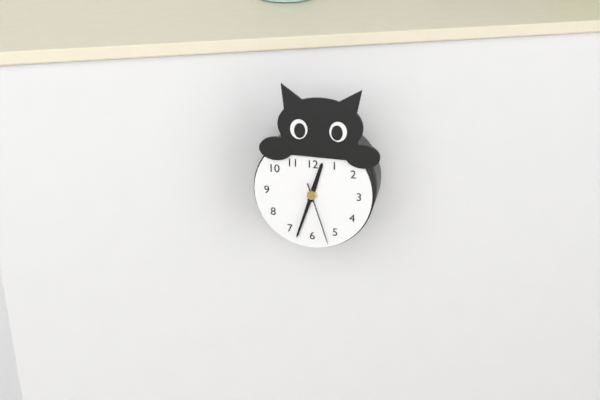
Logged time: 12:33:27
